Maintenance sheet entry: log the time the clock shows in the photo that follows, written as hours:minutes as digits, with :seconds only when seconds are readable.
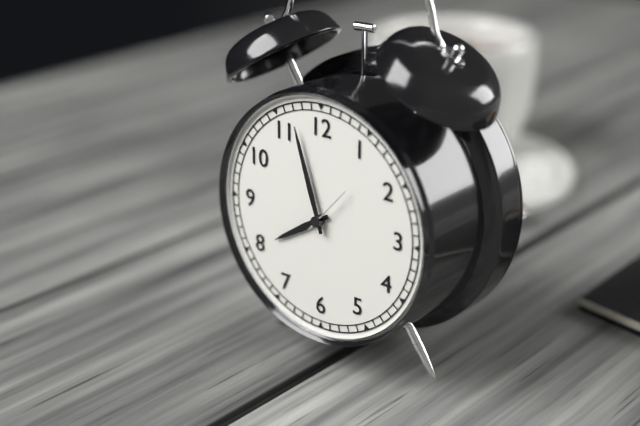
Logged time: 7:57:07
